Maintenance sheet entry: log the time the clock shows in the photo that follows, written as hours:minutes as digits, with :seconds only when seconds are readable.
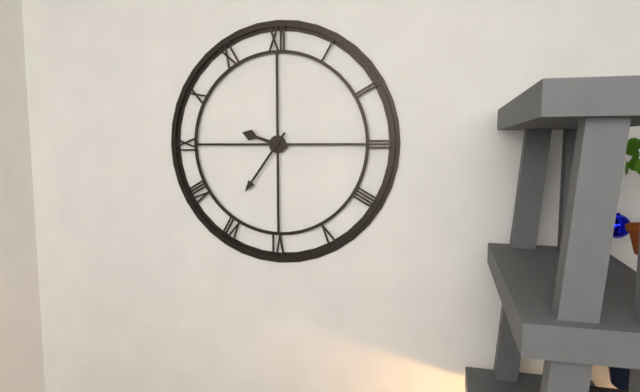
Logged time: 9:36
